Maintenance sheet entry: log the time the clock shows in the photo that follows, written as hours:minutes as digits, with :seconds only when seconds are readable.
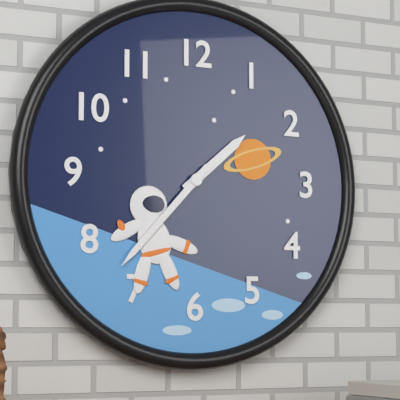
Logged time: 1:37
